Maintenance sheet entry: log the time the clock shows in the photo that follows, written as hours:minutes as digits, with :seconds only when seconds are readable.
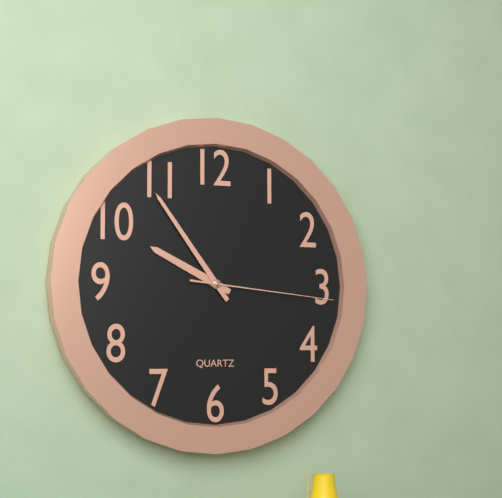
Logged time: 9:54:16
